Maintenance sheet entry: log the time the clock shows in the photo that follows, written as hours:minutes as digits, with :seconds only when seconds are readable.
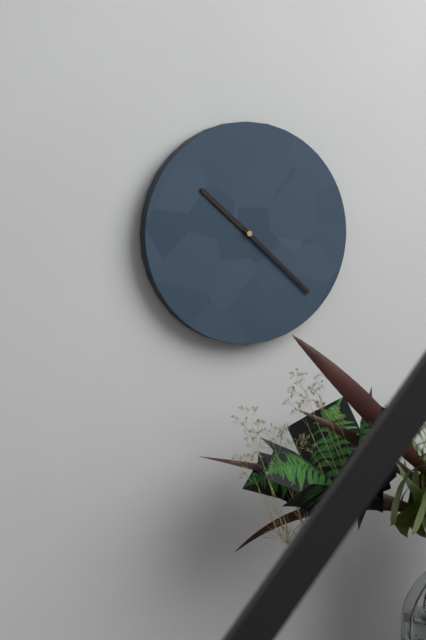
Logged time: 10:22
